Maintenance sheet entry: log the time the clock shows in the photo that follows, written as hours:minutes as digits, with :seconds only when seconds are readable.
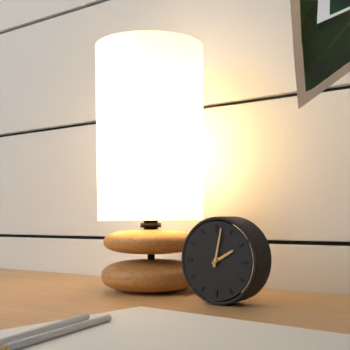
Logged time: 2:02
